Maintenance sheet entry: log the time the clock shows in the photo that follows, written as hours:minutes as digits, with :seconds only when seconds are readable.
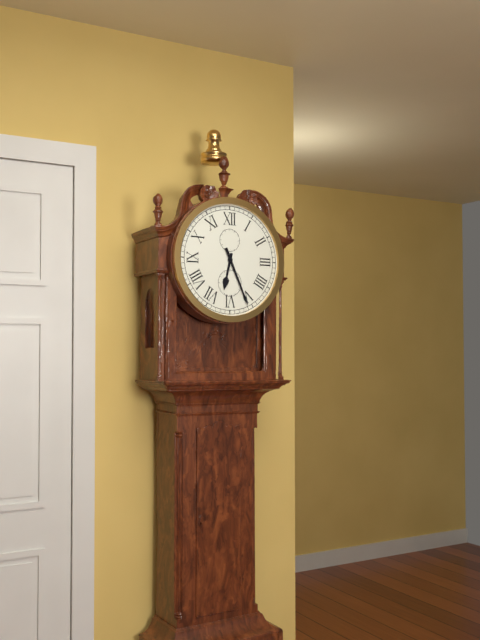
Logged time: 6:26
